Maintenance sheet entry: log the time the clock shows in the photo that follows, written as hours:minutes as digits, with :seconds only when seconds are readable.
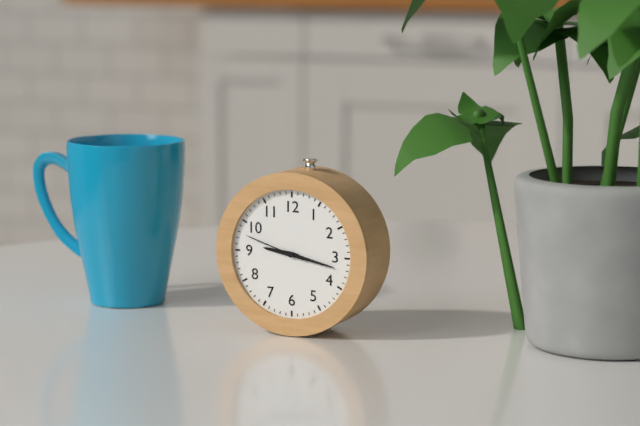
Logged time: 9:17:48
